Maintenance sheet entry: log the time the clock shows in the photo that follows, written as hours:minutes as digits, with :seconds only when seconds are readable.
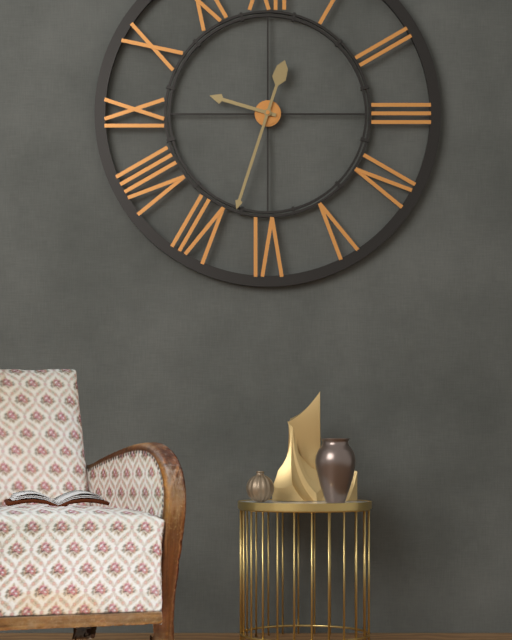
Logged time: 9:33
